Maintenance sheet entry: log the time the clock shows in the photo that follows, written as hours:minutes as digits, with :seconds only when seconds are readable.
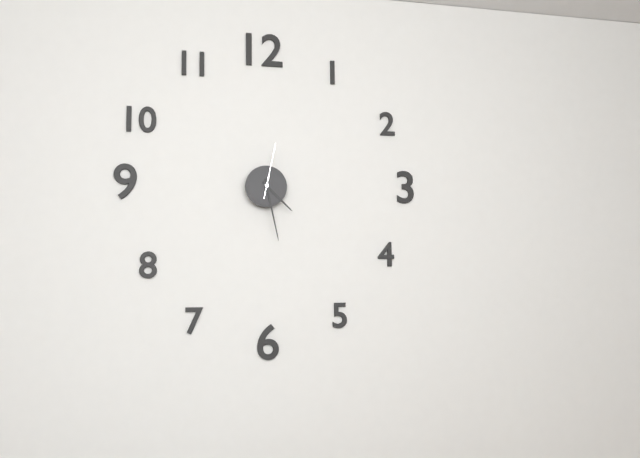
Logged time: 4:28:02
